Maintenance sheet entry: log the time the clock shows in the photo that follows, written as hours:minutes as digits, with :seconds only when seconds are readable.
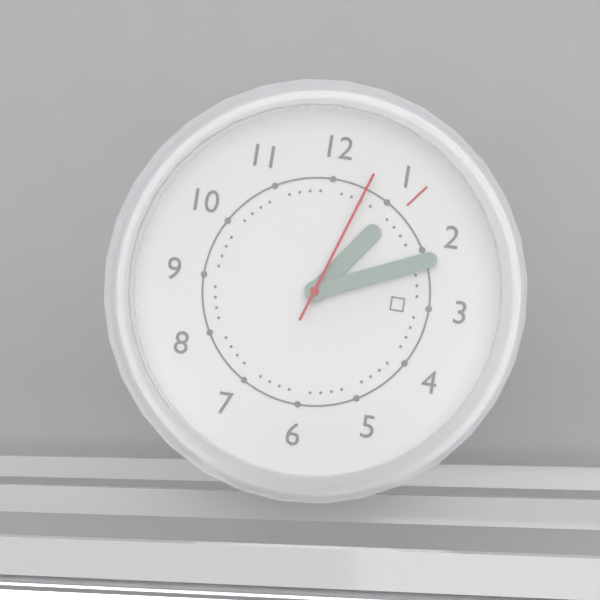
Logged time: 1:11:03
